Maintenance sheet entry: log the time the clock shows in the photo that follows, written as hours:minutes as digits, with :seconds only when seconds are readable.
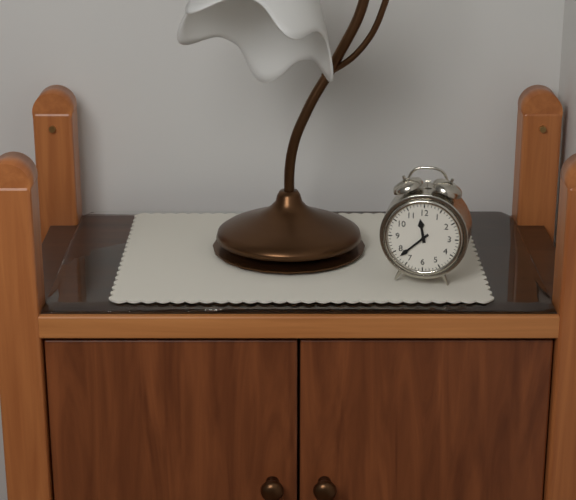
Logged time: 11:38
